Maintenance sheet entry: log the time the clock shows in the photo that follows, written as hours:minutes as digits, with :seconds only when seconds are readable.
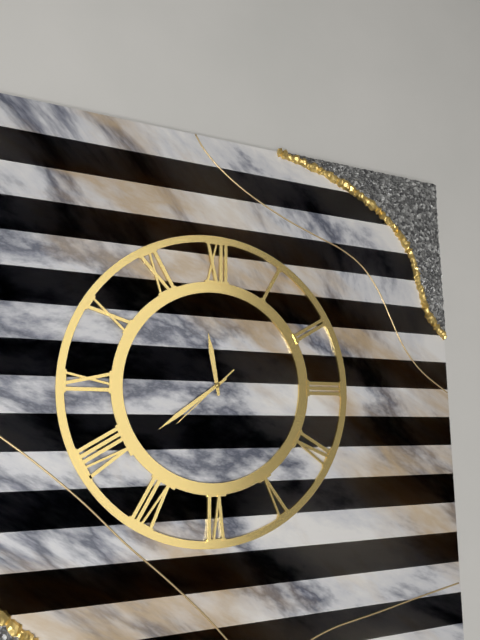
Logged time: 11:39:38
